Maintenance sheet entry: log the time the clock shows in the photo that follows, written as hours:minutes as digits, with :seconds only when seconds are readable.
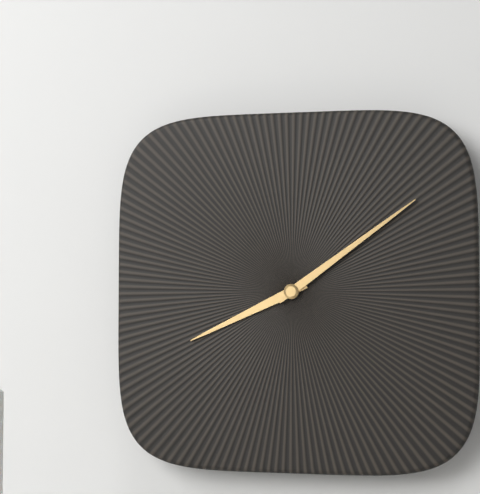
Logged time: 8:09
